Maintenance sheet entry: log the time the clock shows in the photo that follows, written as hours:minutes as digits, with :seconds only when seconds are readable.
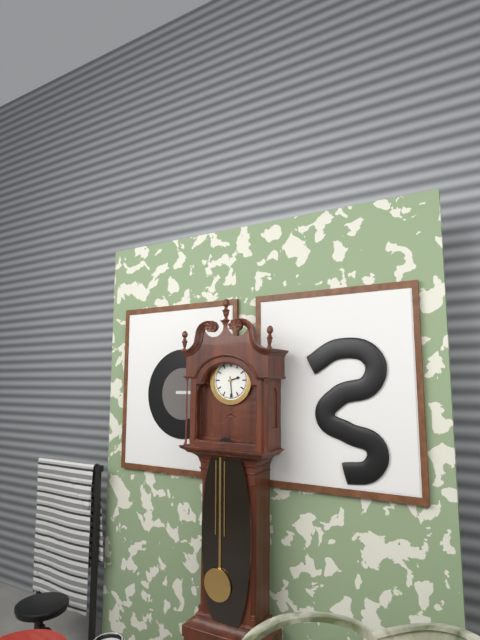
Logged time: 2:29
